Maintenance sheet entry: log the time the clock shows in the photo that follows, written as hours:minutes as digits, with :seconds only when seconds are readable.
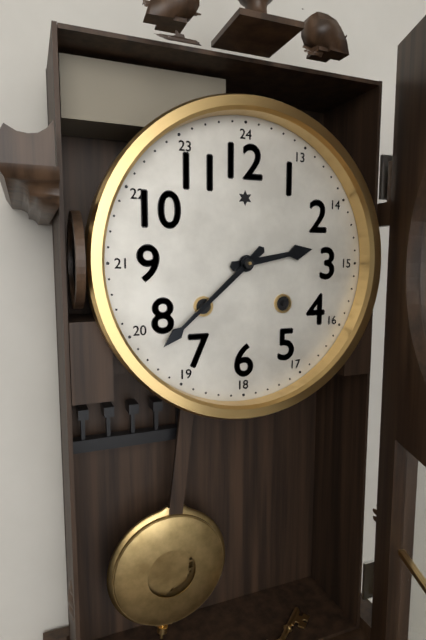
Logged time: 2:38
